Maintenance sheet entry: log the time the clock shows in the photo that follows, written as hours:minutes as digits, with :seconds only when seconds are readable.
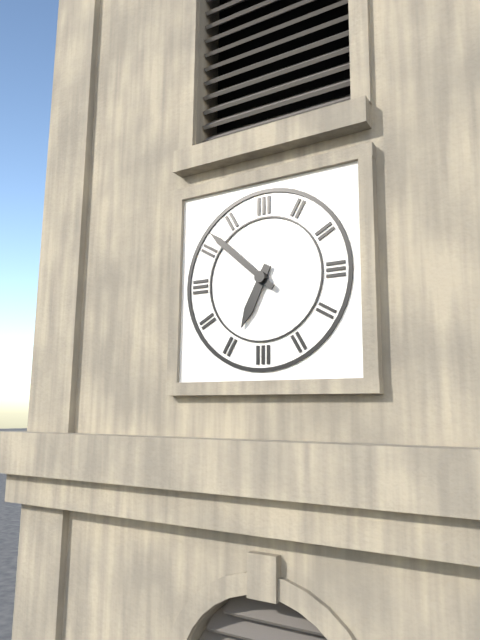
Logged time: 6:52
